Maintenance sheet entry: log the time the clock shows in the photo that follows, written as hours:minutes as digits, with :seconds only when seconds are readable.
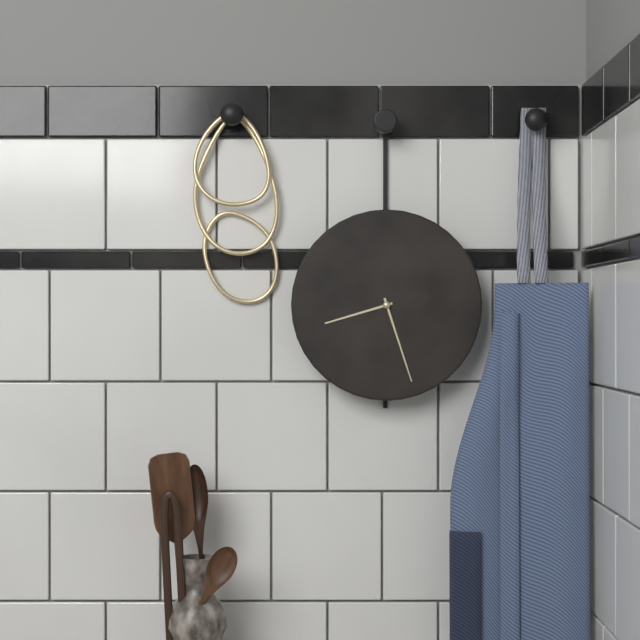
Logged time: 8:27
